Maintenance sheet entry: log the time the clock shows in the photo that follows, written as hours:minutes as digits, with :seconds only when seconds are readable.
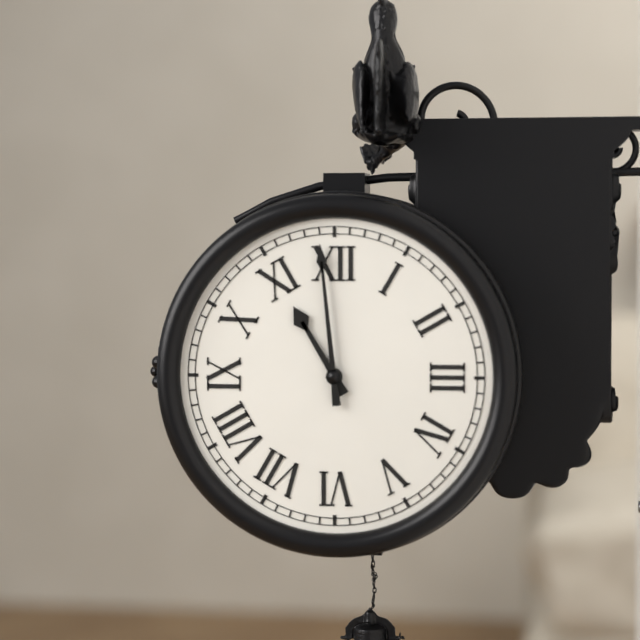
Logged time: 10:59
